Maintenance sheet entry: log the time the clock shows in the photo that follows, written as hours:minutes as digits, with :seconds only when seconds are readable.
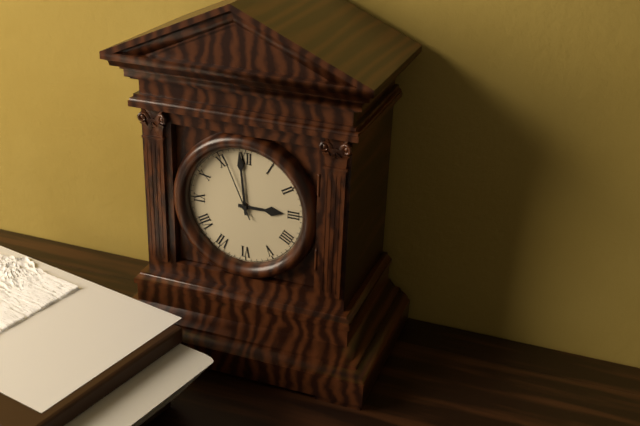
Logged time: 2:59:56
